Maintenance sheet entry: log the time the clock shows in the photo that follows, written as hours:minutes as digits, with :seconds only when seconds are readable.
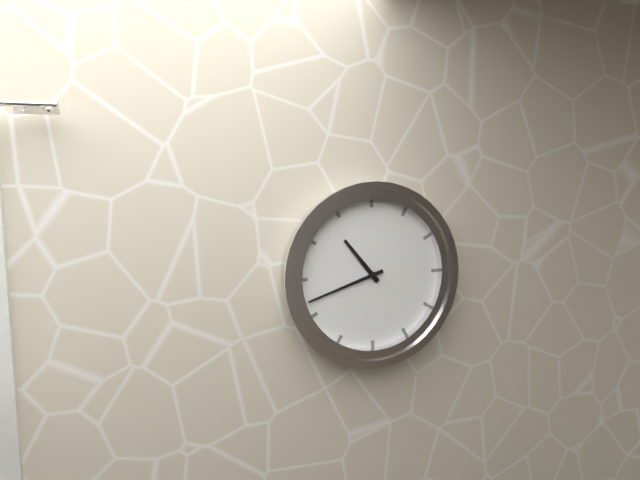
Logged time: 10:42
